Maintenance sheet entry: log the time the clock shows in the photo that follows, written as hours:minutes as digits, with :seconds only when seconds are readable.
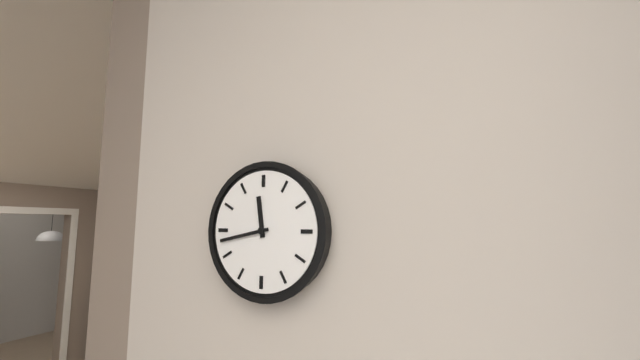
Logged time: 11:43
